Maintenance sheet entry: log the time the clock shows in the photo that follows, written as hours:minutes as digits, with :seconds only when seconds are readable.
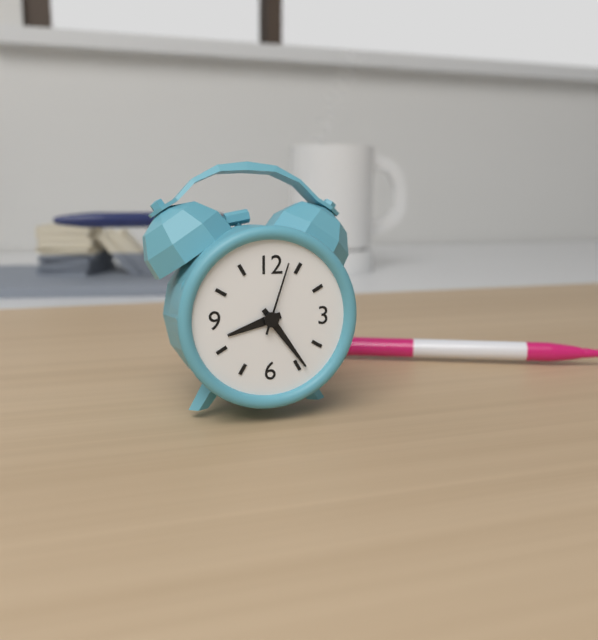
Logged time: 8:24:03
